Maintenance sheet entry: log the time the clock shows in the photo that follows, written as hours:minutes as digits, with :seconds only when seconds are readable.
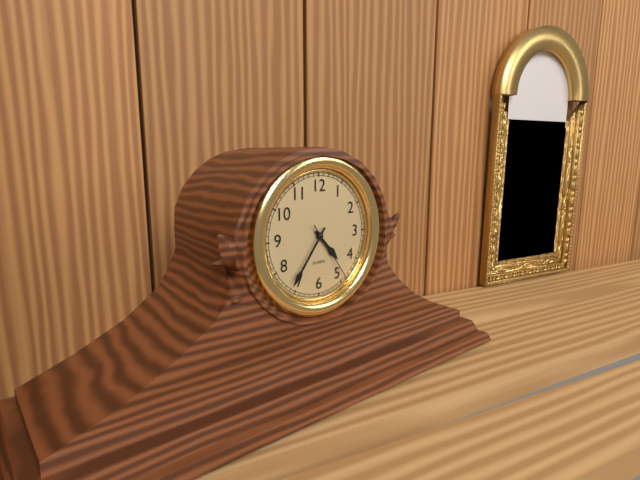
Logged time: 4:36:24
